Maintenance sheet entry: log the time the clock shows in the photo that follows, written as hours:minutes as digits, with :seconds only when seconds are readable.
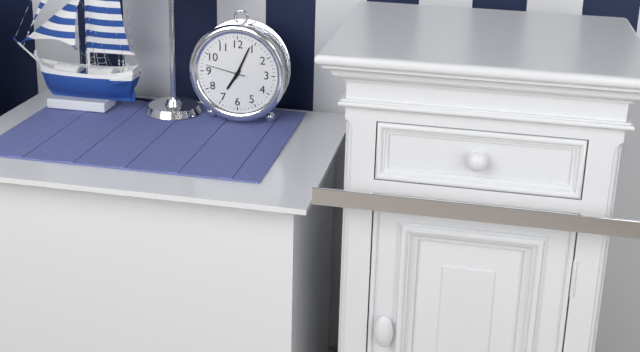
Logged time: 7:04
